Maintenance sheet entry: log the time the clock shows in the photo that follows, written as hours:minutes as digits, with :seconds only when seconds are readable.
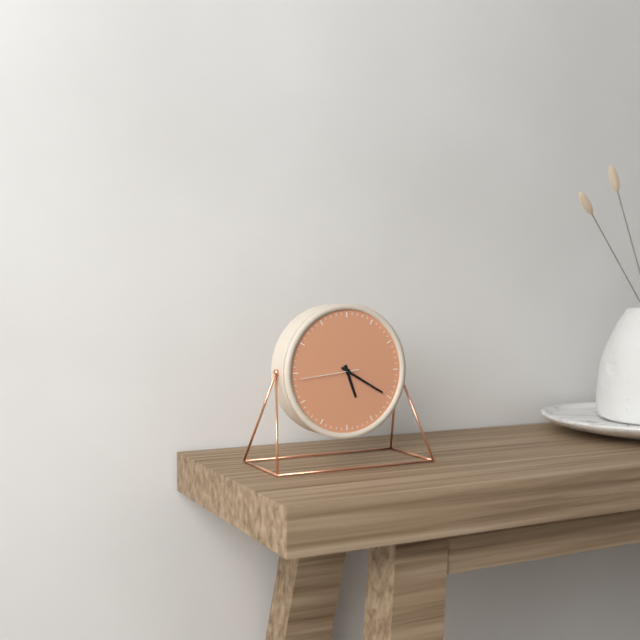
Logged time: 5:20:44
